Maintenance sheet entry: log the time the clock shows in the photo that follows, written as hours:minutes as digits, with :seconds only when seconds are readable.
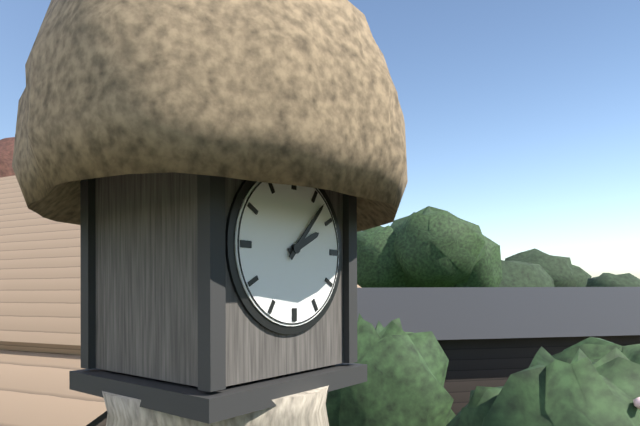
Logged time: 2:07
